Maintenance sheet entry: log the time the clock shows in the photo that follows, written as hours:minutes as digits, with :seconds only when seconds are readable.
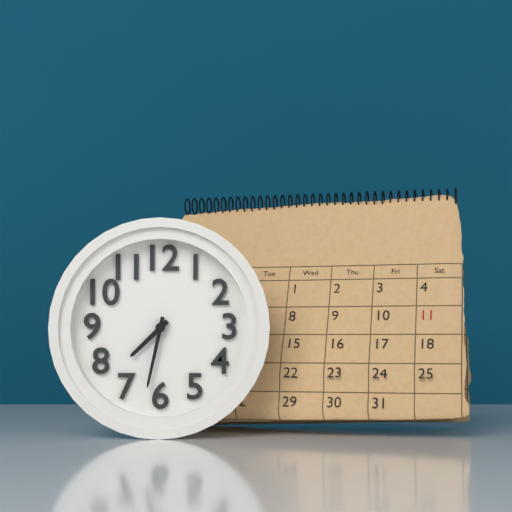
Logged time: 7:32
